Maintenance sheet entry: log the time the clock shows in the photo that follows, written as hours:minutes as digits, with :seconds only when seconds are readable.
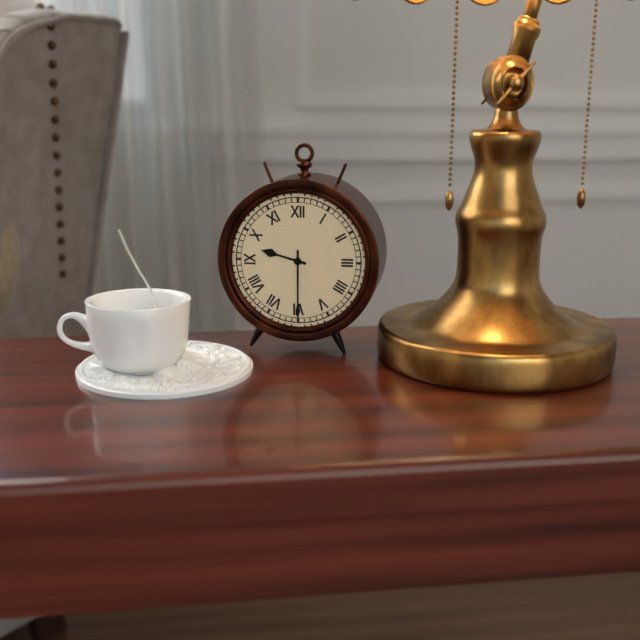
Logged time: 9:30
